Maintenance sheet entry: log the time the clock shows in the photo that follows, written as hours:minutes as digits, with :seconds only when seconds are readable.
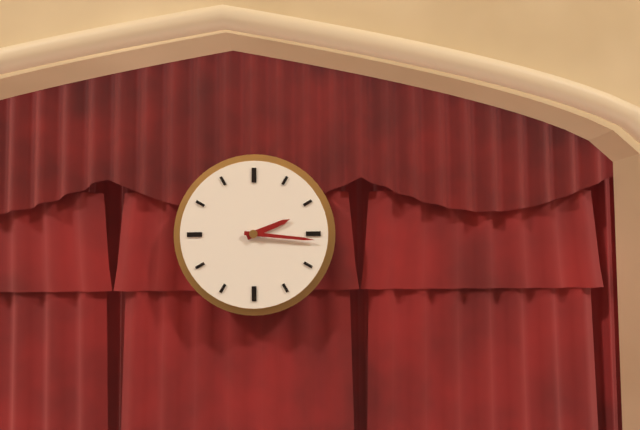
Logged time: 2:16
